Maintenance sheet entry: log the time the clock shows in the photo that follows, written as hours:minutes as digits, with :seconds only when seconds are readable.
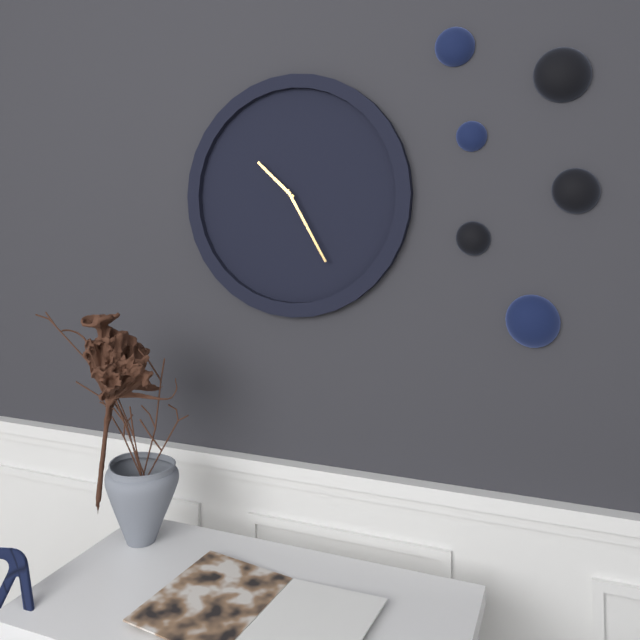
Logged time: 10:25
